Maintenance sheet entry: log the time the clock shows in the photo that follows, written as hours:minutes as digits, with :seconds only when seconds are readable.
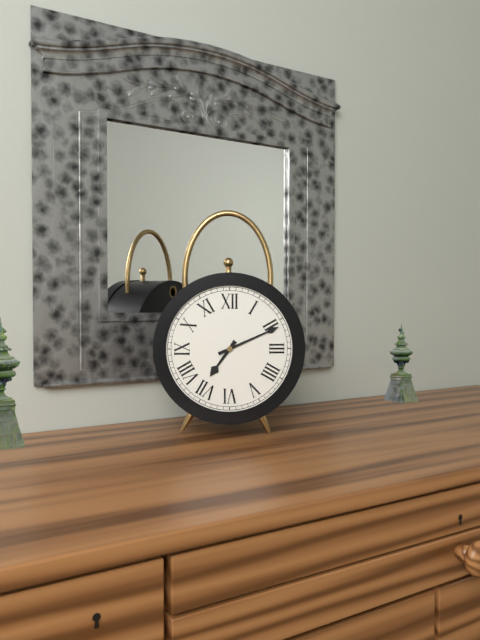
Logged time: 7:11
